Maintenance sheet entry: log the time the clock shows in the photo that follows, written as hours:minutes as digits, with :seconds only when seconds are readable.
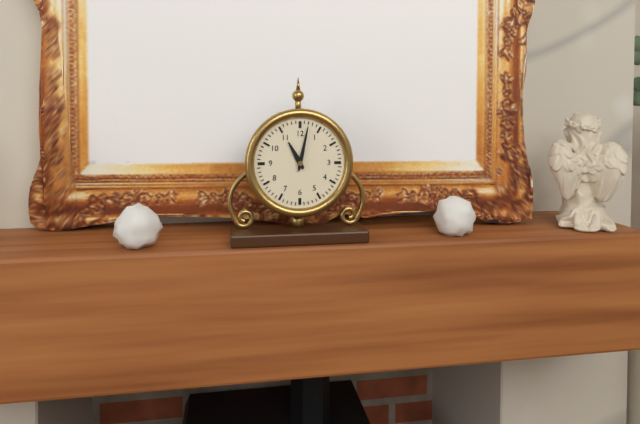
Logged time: 11:02
